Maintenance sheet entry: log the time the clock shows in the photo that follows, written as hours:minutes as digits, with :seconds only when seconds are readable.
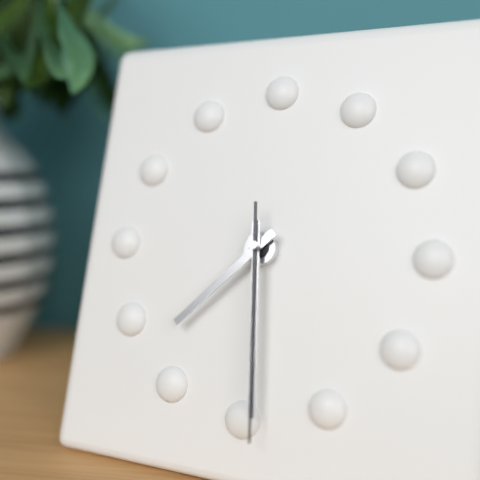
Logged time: 7:29:29
